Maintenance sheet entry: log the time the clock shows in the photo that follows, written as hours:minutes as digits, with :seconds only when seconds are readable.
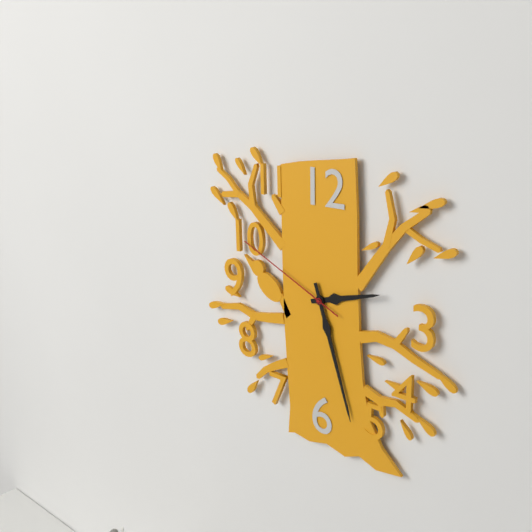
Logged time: 2:27:49
